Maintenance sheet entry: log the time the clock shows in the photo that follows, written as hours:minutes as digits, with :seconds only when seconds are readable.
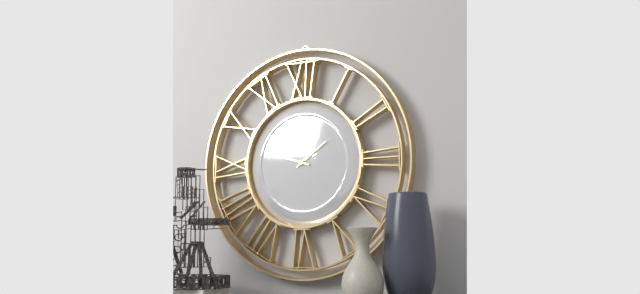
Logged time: 1:48
